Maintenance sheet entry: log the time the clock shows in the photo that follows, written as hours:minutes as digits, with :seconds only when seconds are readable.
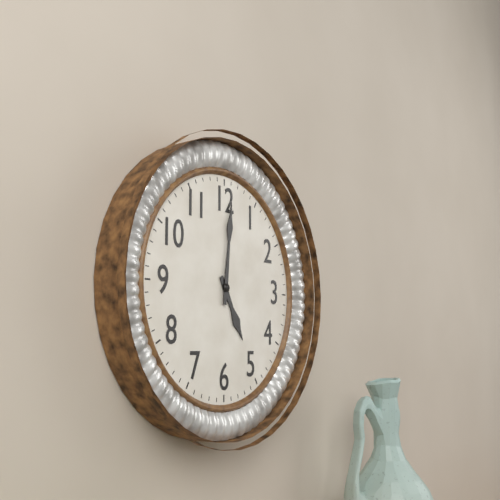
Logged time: 5:01
